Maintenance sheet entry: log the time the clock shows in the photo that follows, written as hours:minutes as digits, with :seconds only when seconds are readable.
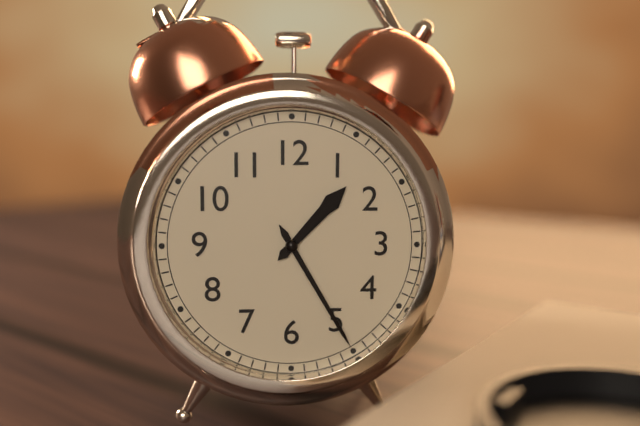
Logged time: 1:25
